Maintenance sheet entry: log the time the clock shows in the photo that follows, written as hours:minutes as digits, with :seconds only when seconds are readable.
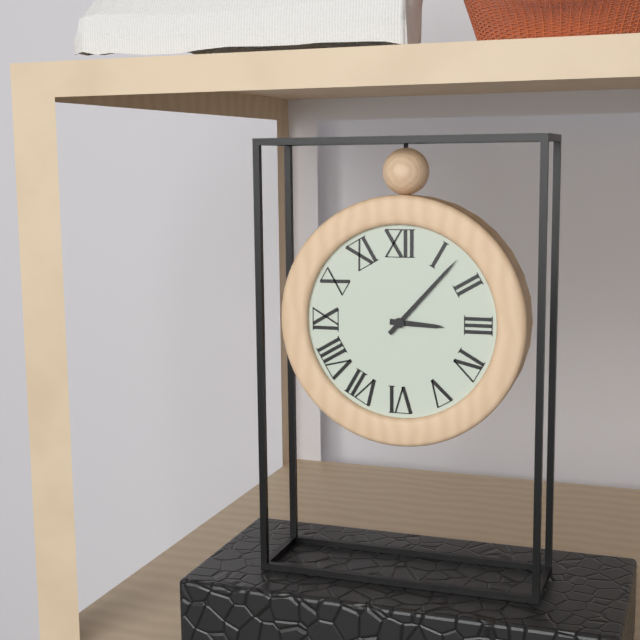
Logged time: 3:07
